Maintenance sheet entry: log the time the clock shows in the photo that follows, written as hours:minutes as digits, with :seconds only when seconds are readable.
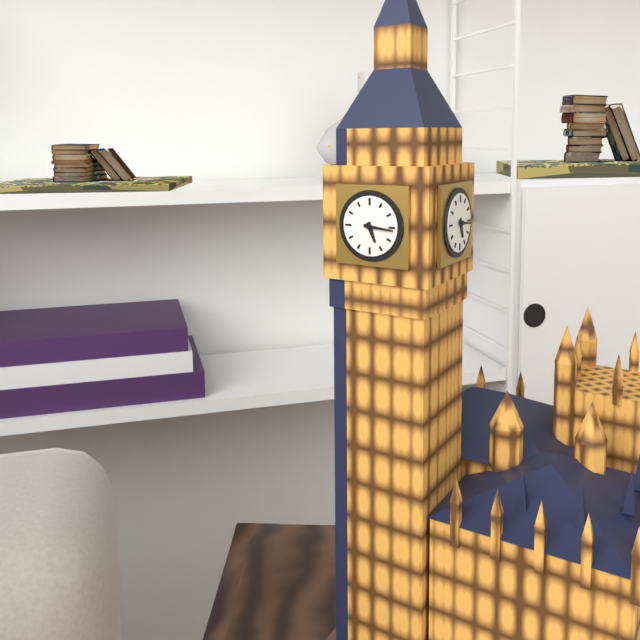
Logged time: 5:16
